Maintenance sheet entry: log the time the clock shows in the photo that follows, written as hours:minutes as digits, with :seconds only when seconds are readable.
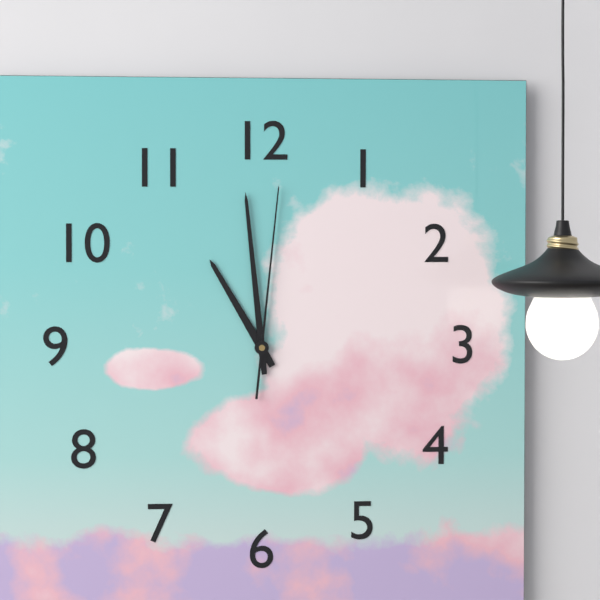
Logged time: 10:59:01
